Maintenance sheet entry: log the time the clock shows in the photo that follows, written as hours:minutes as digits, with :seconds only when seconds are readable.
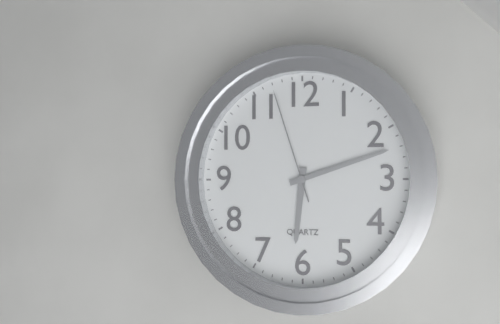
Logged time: 6:12:57
